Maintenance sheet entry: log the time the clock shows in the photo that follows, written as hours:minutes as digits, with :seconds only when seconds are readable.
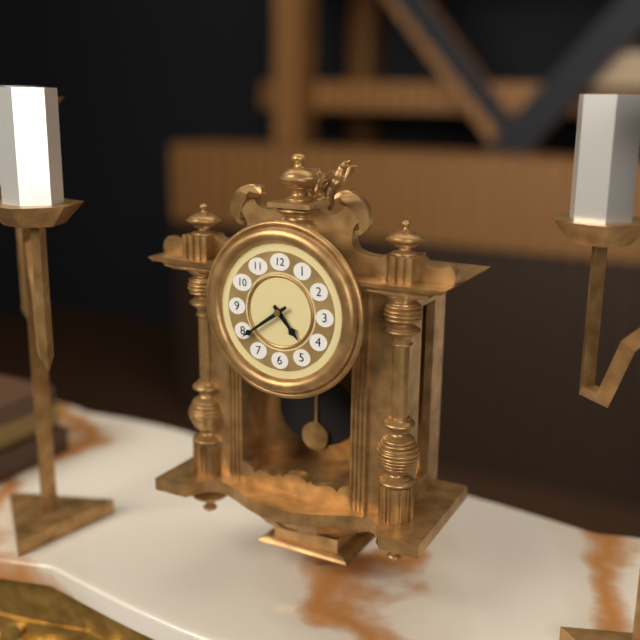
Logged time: 4:39
